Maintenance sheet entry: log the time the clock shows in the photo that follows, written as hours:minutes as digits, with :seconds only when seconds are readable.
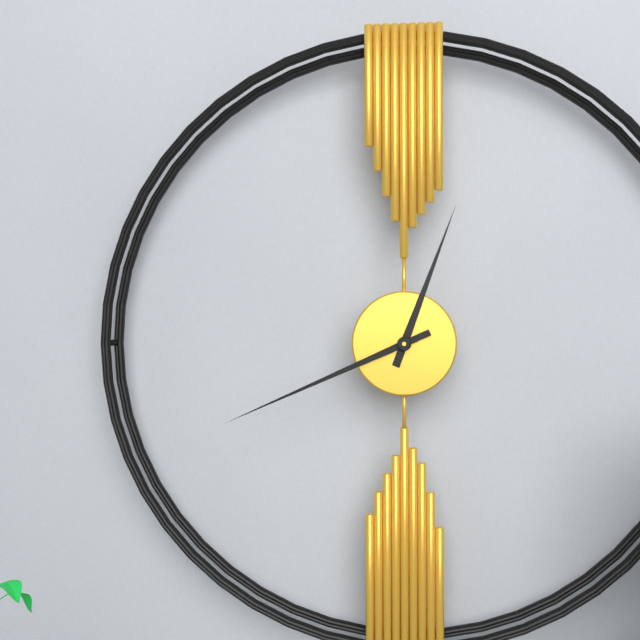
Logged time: 12:41
